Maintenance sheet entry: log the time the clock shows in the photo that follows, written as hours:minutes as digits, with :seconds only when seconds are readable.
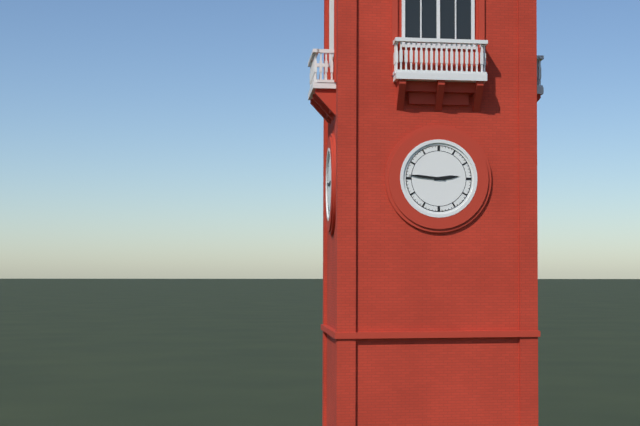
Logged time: 2:46
